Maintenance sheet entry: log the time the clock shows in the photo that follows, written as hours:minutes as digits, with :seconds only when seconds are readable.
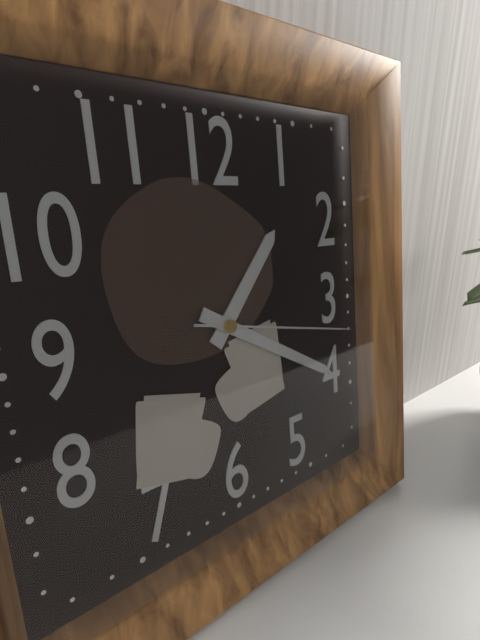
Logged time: 1:20:17
